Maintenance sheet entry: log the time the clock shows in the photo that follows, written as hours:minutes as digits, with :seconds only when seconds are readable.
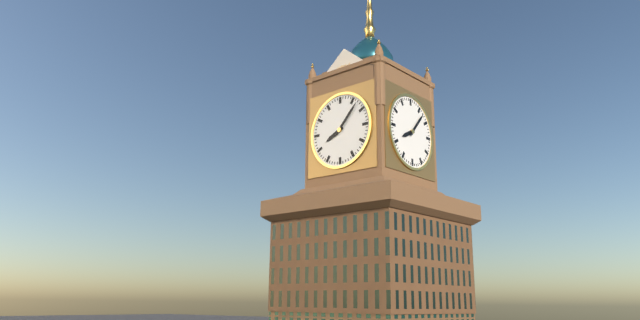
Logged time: 8:07
